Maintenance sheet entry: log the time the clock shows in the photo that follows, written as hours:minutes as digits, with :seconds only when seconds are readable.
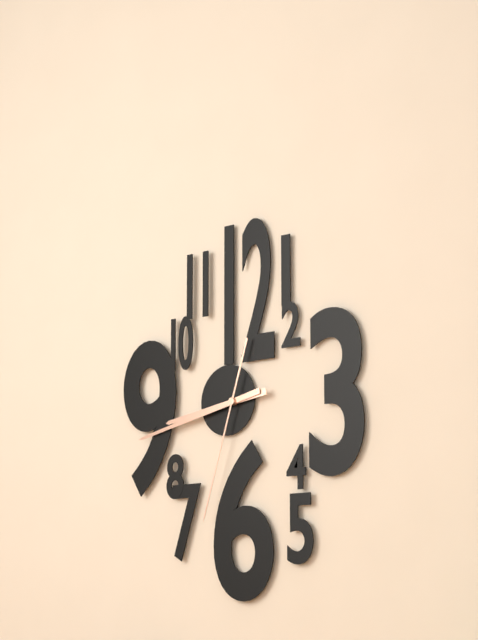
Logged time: 8:43:33
